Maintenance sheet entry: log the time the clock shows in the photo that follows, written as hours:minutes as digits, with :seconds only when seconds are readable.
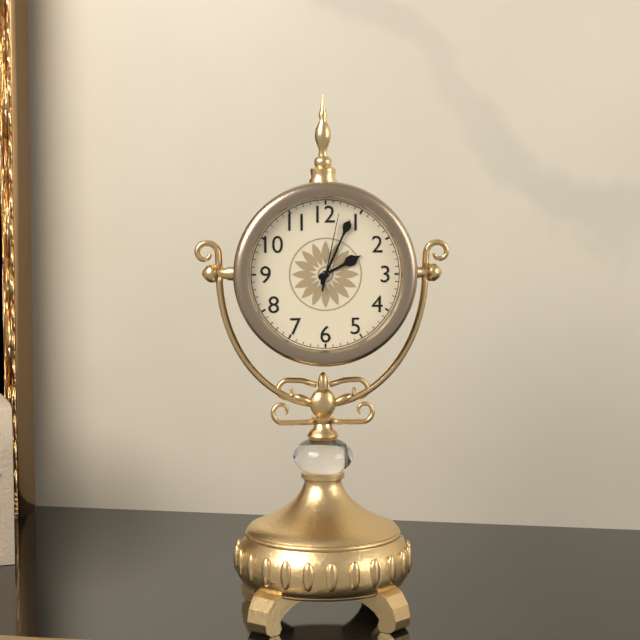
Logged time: 2:04:02
